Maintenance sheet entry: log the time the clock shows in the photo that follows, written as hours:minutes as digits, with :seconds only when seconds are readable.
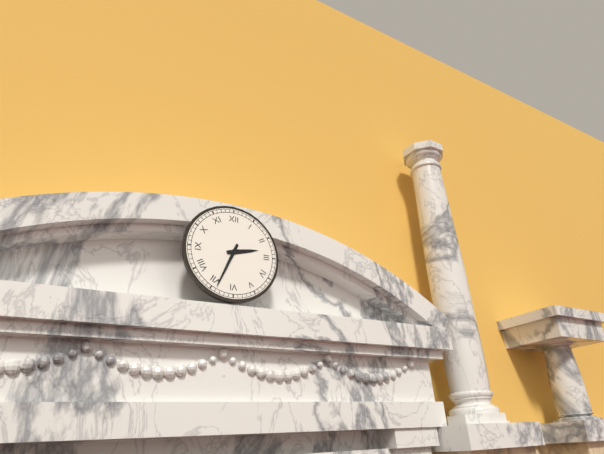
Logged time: 2:34
